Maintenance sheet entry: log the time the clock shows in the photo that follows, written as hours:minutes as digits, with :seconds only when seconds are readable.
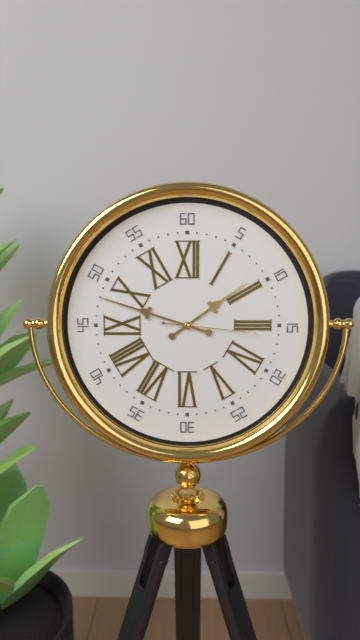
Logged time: 1:48:16
